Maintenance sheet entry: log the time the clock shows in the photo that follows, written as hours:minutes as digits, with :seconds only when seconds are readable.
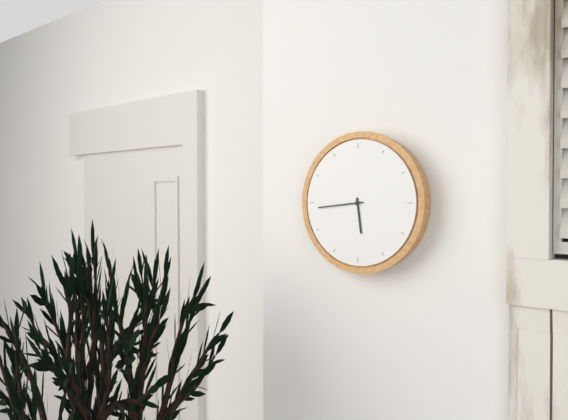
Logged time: 5:44
